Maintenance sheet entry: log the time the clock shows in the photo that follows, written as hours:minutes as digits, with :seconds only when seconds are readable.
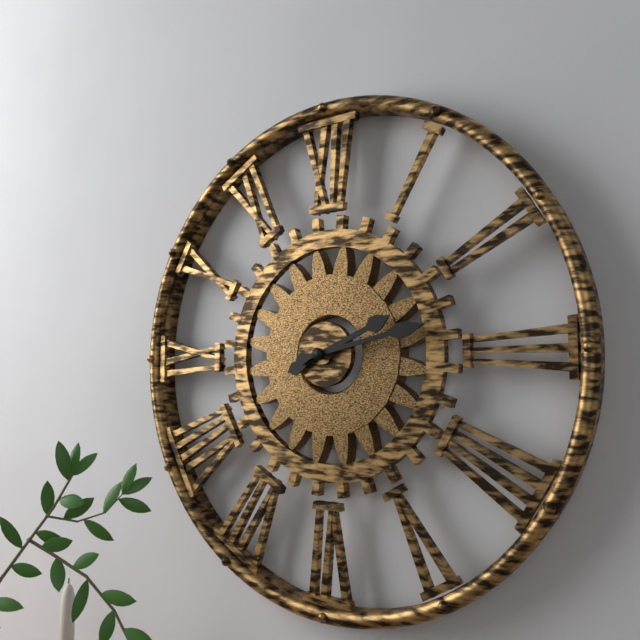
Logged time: 2:13
